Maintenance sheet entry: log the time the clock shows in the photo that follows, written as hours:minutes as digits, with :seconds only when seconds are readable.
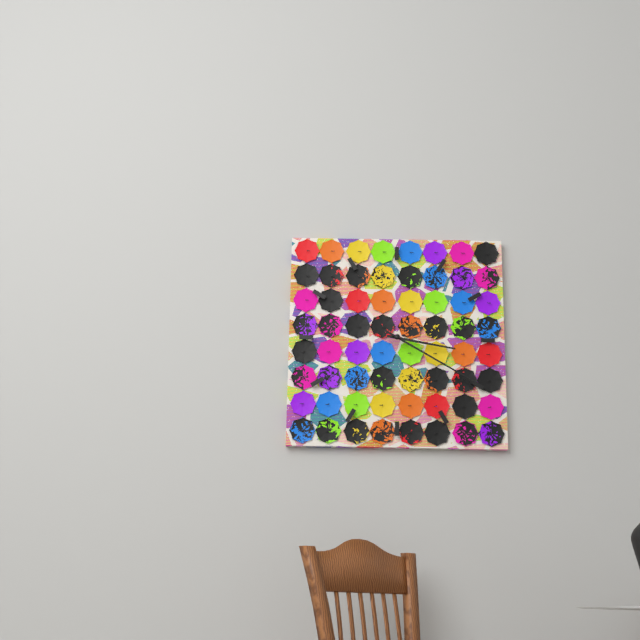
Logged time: 3:20
